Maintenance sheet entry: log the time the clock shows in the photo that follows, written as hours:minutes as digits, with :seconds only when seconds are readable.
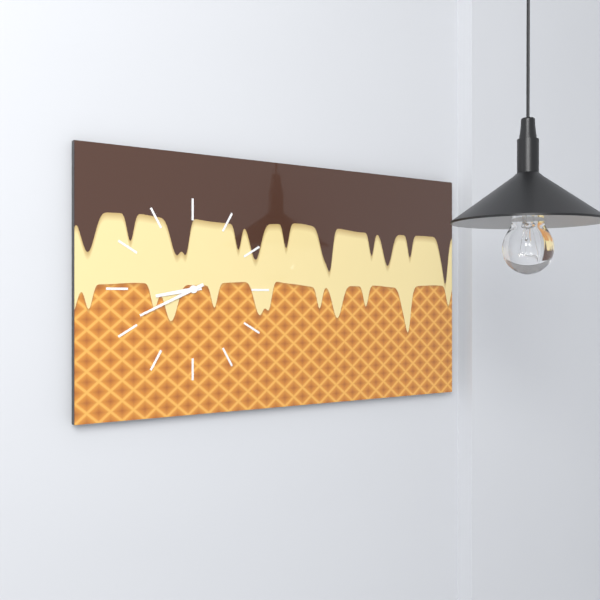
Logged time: 8:41
